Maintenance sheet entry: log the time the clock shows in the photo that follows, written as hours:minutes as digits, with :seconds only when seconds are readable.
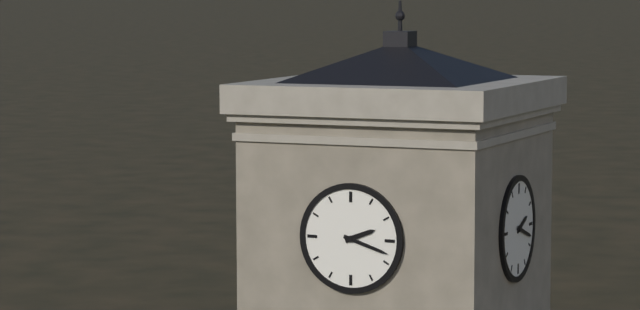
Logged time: 2:18
